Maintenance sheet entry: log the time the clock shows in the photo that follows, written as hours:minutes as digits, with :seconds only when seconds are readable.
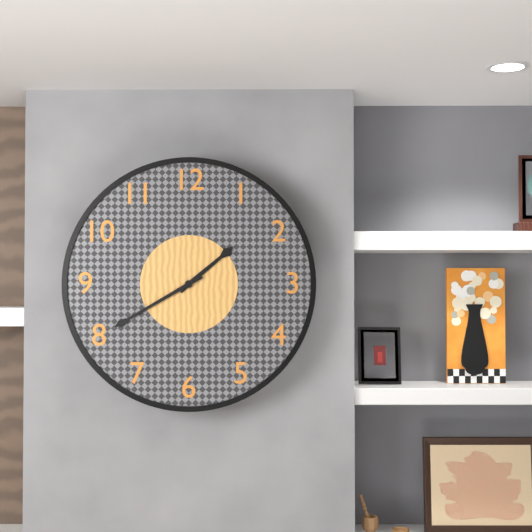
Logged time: 1:40
